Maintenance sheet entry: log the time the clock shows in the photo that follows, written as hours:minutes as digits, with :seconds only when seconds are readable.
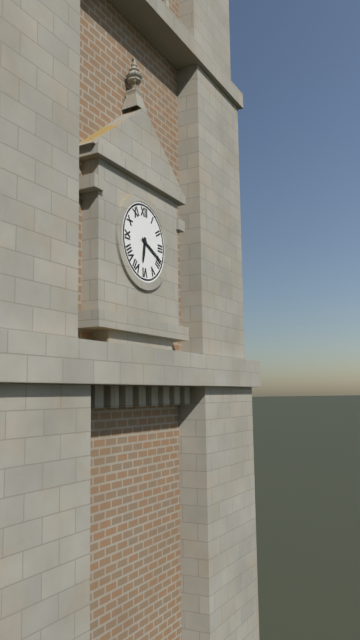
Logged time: 6:19
